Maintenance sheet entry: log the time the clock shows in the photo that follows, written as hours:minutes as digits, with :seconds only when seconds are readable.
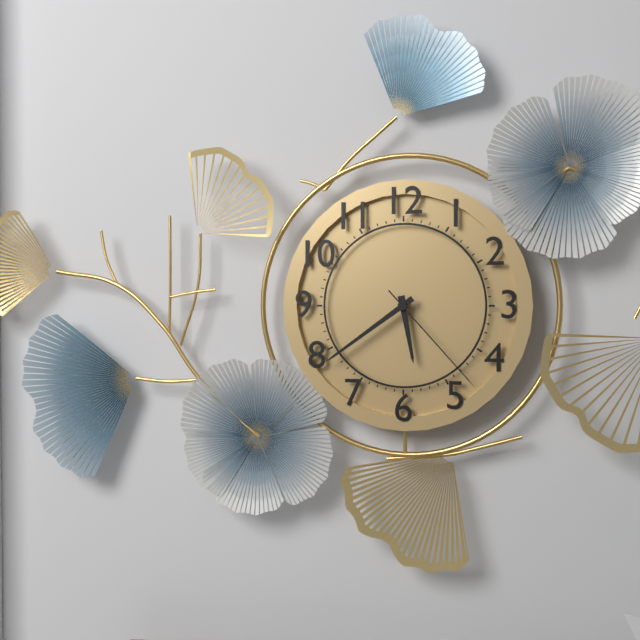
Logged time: 5:39:23
